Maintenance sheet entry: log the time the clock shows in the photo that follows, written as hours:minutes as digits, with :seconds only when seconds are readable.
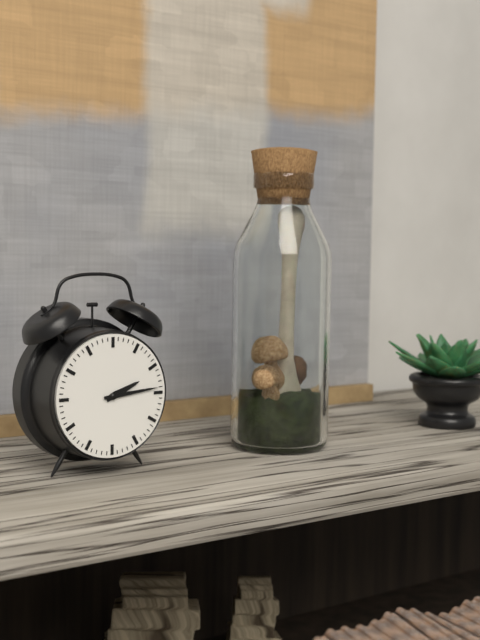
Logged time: 2:14
